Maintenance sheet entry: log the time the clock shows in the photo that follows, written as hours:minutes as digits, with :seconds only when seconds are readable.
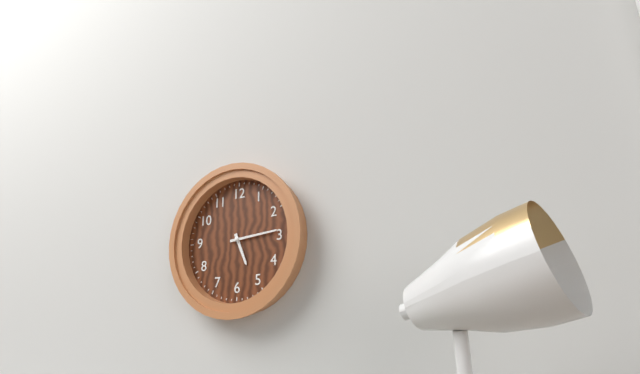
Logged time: 5:14
